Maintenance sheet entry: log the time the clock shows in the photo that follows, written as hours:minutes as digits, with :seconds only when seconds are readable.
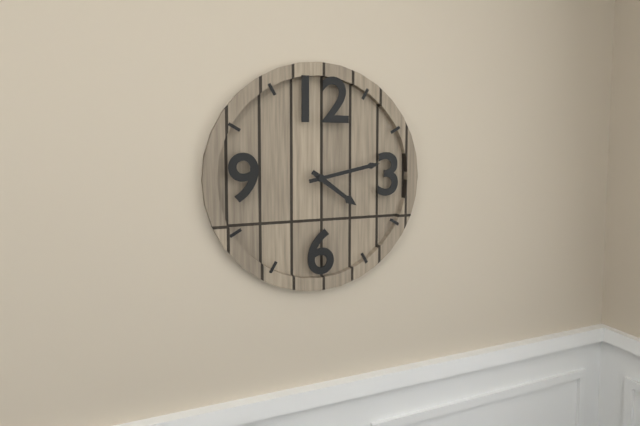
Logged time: 4:13
